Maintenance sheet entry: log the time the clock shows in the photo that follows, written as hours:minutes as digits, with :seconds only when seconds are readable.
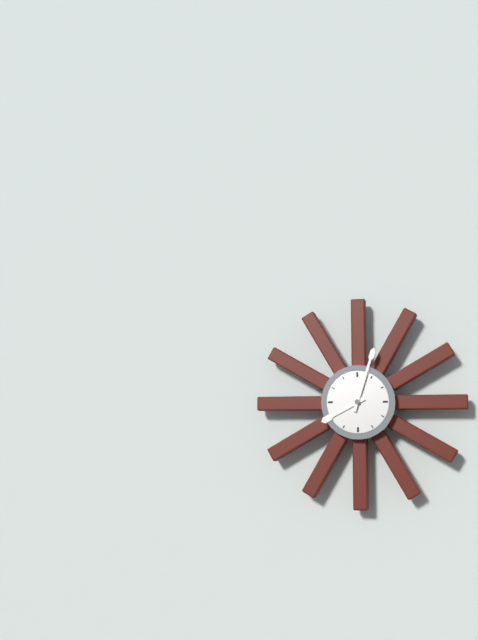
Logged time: 8:03
